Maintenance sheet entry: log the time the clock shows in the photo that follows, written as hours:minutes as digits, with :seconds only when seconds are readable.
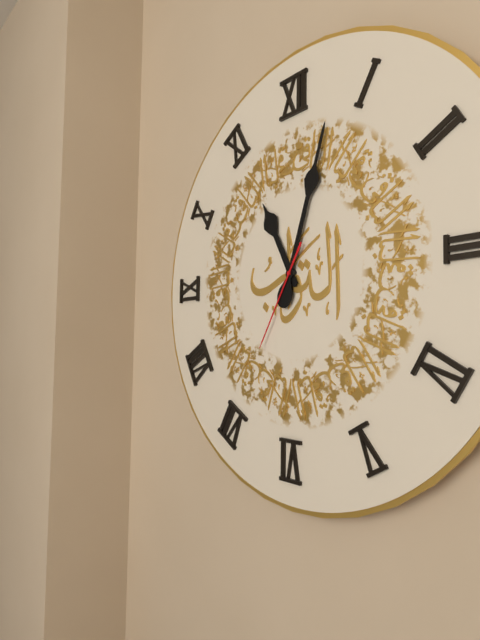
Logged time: 11:03:35
